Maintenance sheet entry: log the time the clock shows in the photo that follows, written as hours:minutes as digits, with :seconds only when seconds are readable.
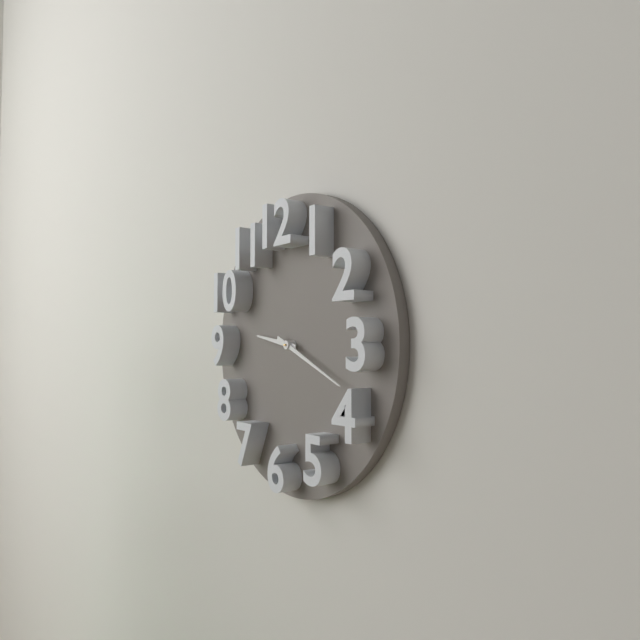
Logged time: 9:19
